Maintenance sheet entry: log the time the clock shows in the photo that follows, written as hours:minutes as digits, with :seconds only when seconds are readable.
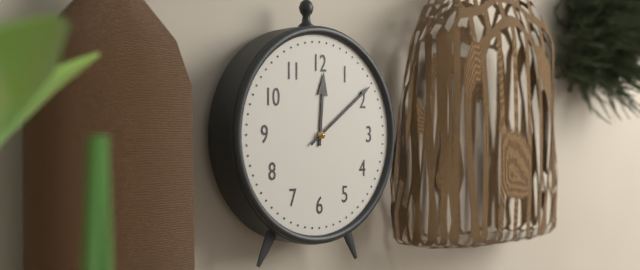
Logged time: 12:09
